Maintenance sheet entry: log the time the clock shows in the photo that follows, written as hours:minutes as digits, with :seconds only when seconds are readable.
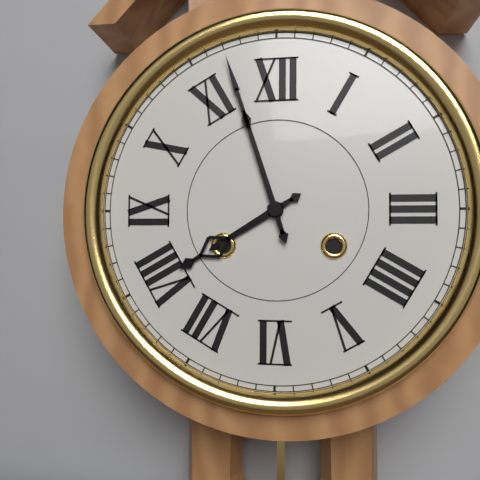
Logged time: 7:57
